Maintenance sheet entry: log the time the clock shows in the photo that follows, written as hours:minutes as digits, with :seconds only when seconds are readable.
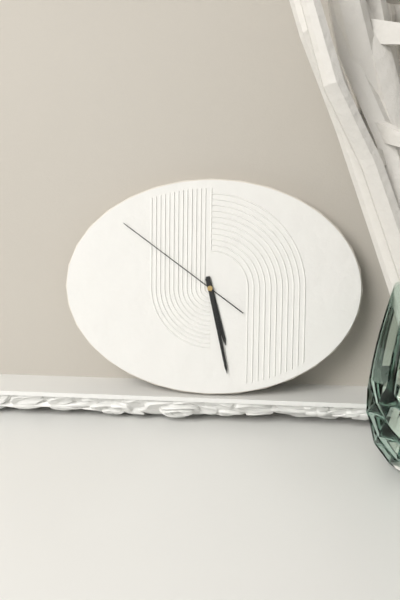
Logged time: 5:28:51
